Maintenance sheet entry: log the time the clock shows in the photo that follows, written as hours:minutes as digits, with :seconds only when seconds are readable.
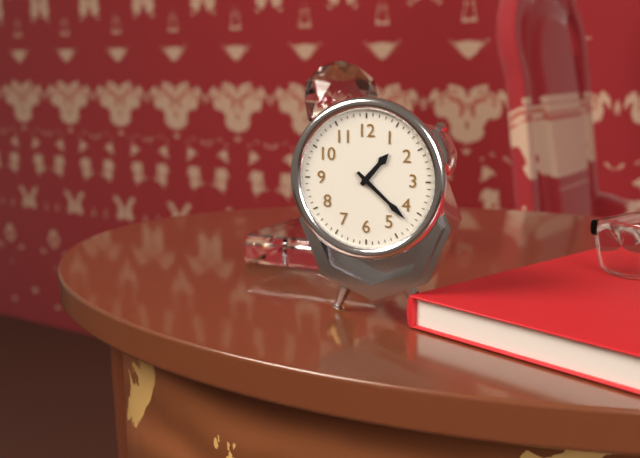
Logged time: 1:22
